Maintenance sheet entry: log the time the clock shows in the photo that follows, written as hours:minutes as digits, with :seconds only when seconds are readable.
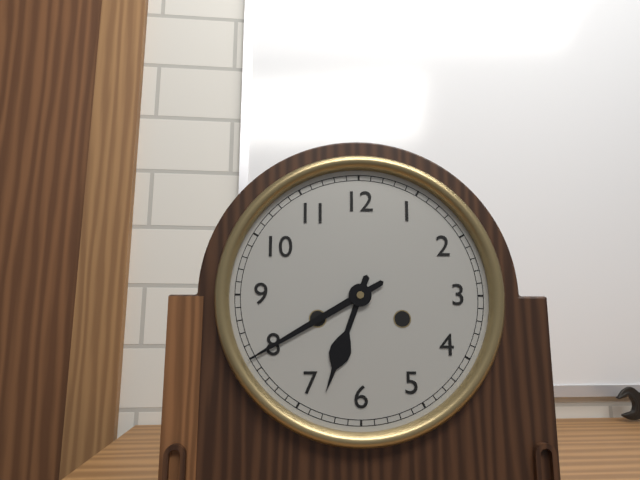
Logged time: 6:40
